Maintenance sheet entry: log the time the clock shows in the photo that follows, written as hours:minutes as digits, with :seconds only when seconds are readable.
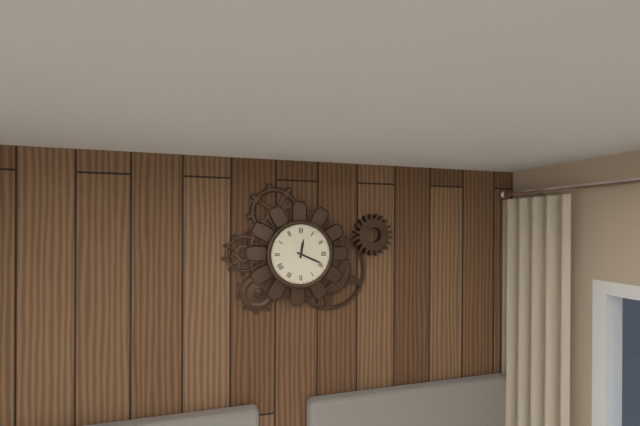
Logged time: 12:19
